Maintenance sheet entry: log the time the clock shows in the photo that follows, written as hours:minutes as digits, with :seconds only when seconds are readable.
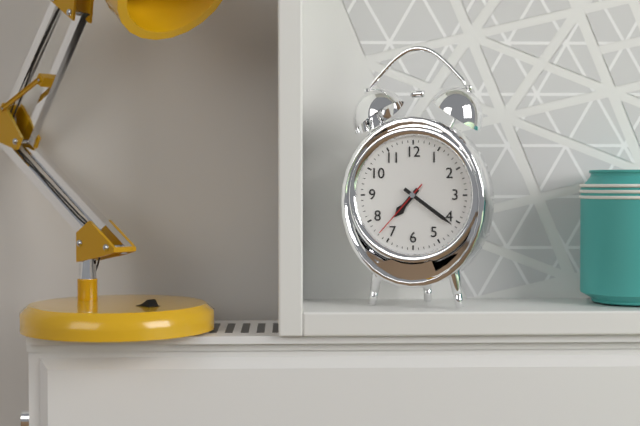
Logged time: 7:21:37
